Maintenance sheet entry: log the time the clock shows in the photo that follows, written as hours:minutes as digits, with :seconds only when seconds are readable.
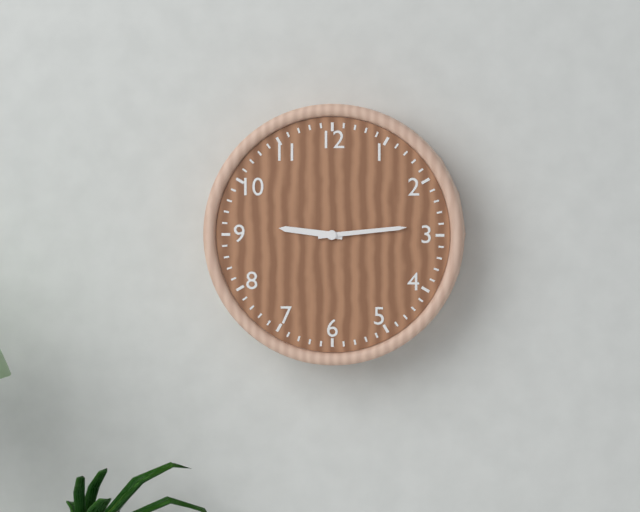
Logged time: 9:14
